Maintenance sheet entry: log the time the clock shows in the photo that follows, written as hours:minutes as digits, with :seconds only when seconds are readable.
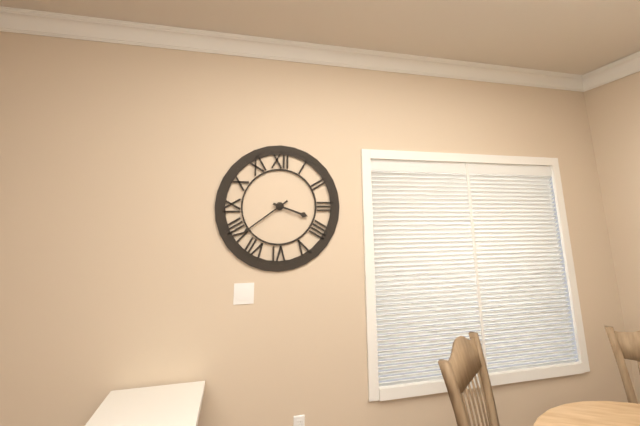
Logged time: 3:39
